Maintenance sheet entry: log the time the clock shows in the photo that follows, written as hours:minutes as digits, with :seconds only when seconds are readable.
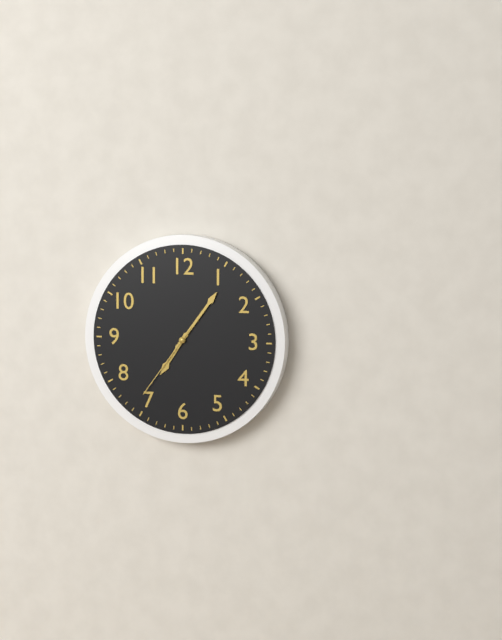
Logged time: 7:06:36
